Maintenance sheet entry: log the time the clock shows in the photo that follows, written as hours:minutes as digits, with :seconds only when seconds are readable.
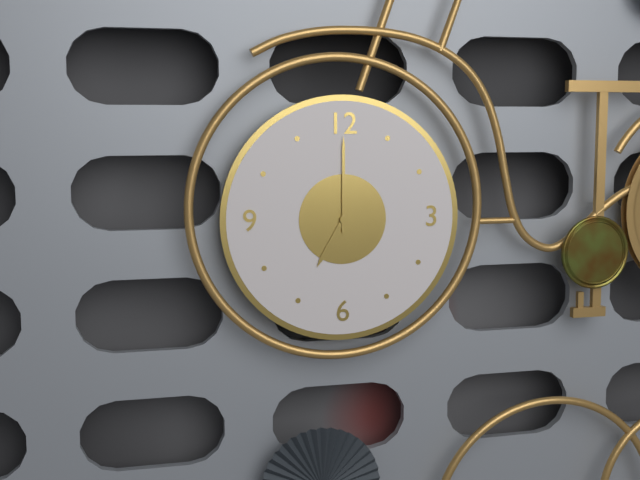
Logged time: 7:00
